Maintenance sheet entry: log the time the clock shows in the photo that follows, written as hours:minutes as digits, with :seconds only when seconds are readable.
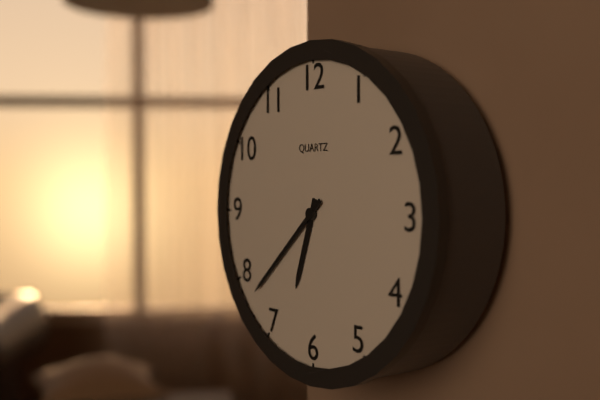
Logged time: 6:38
